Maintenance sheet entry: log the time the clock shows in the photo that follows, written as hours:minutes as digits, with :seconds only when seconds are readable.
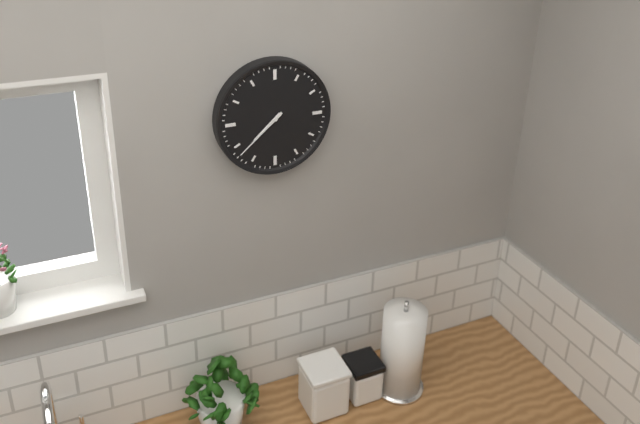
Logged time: 7:38
